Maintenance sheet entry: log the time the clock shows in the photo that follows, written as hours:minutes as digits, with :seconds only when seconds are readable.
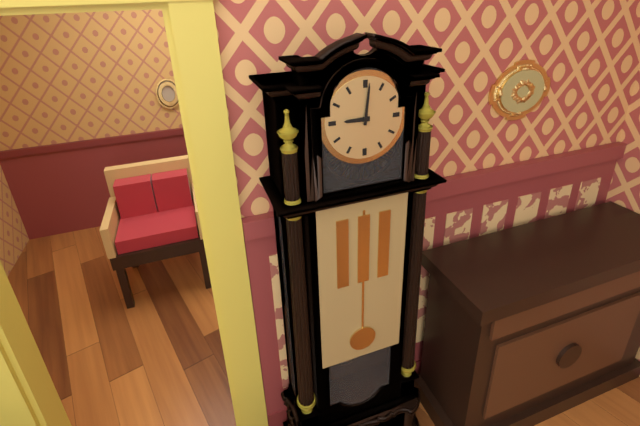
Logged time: 9:01
